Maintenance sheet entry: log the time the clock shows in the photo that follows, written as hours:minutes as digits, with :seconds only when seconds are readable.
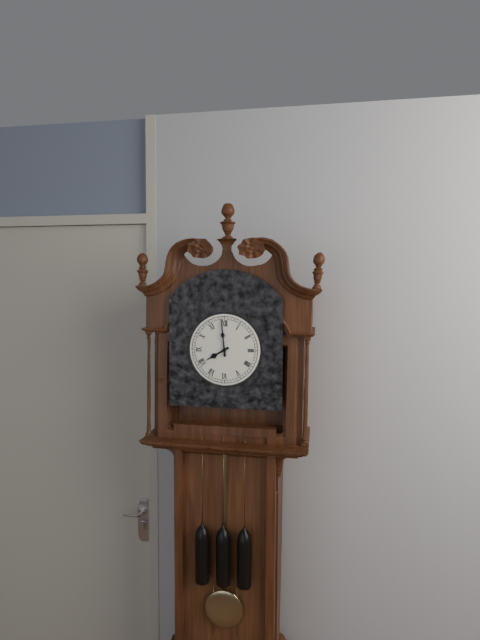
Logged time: 7:59
